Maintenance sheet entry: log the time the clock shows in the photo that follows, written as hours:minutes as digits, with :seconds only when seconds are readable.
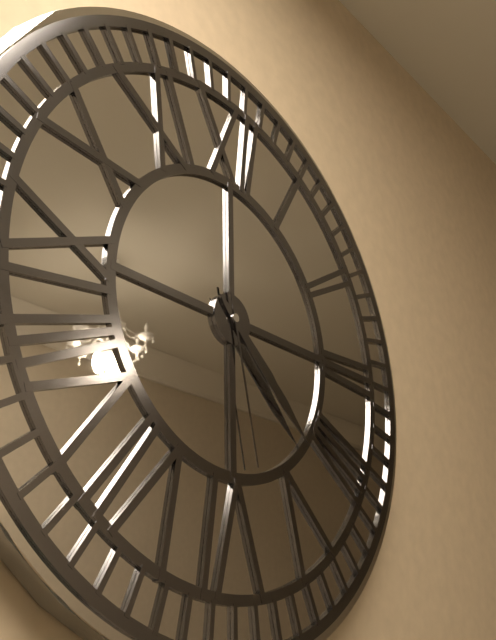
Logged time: 4:22:28
